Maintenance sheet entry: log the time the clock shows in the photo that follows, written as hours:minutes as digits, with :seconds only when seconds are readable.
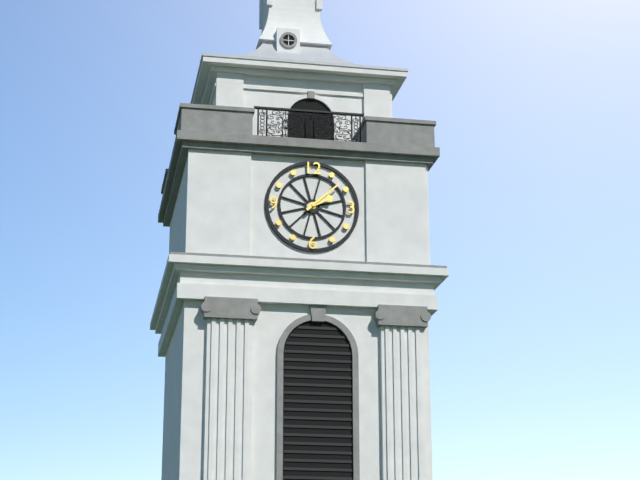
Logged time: 2:08
